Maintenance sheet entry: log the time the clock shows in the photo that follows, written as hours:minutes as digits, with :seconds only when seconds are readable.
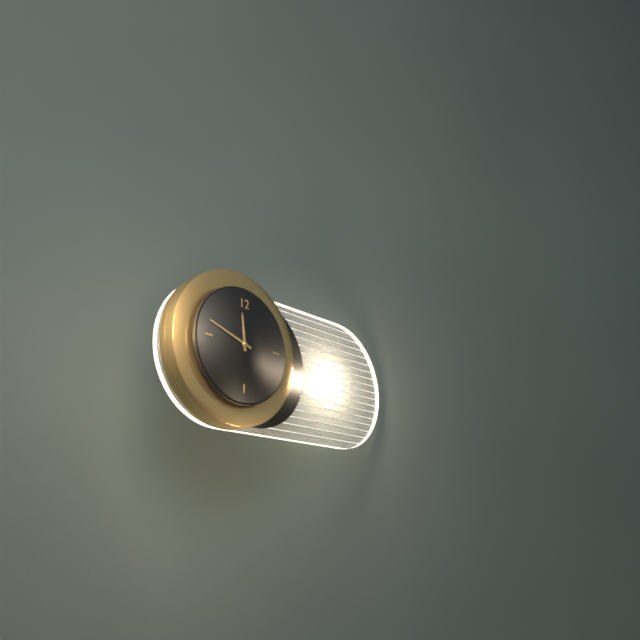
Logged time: 11:48
